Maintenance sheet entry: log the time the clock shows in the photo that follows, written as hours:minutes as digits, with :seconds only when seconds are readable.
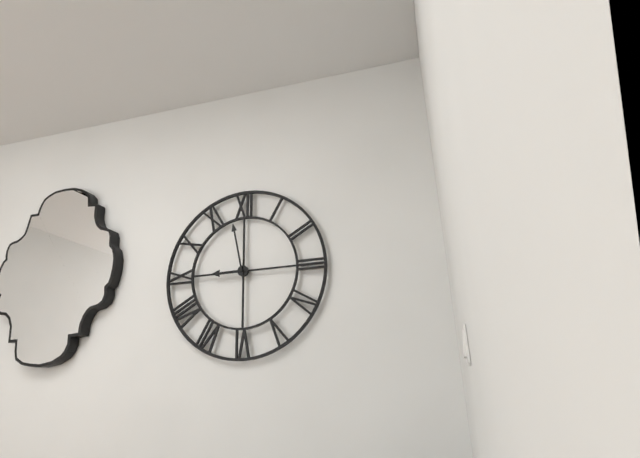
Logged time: 8:58
